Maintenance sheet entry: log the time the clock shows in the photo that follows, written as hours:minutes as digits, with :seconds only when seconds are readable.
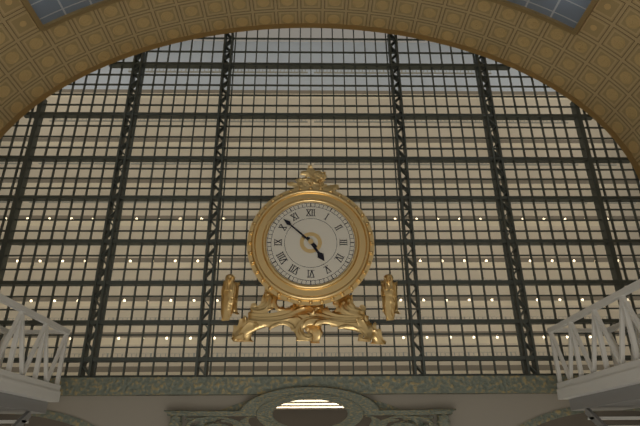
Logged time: 4:52
